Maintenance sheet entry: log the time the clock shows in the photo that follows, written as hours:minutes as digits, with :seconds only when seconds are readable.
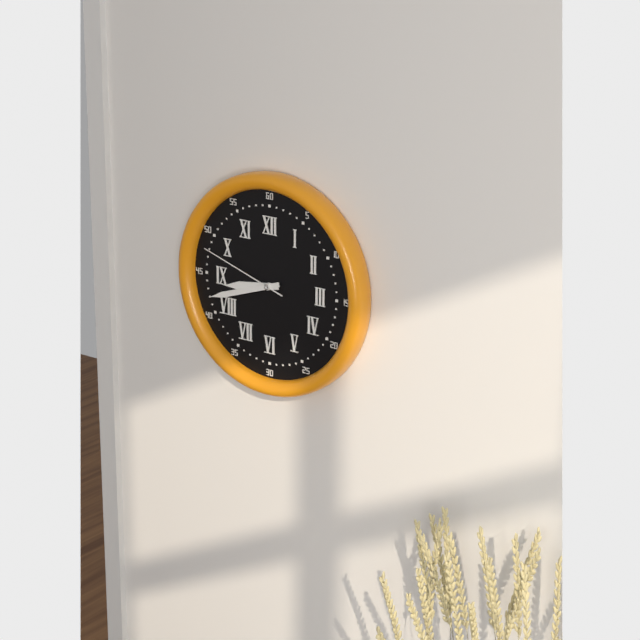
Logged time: 8:42:48
